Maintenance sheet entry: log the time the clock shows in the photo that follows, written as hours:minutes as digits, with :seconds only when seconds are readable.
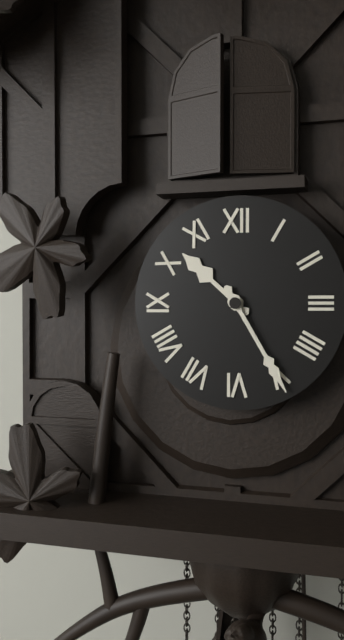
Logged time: 10:25
